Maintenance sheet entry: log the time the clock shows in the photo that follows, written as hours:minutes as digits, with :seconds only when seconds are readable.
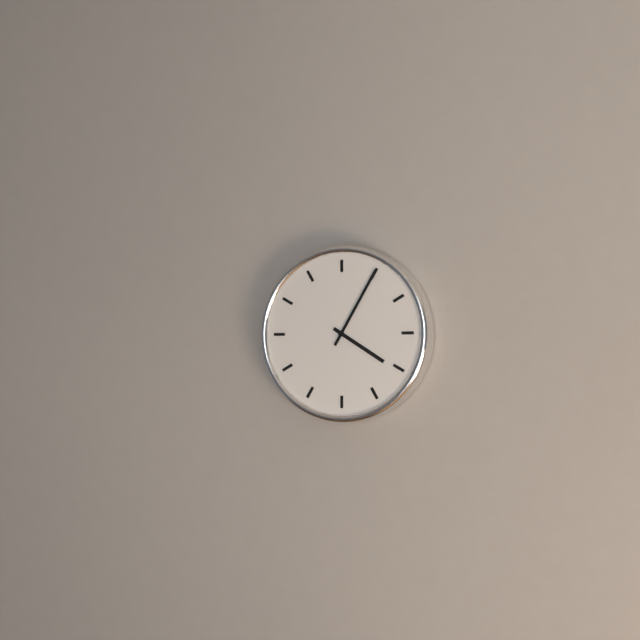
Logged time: 4:05
